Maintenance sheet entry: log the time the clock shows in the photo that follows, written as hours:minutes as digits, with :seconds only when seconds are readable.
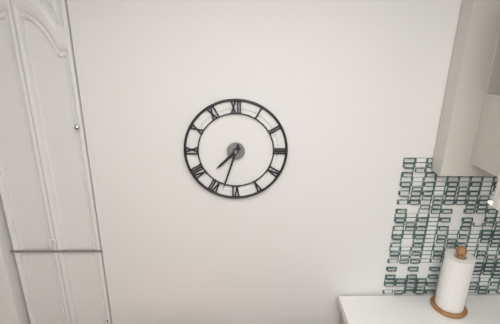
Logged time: 7:33
